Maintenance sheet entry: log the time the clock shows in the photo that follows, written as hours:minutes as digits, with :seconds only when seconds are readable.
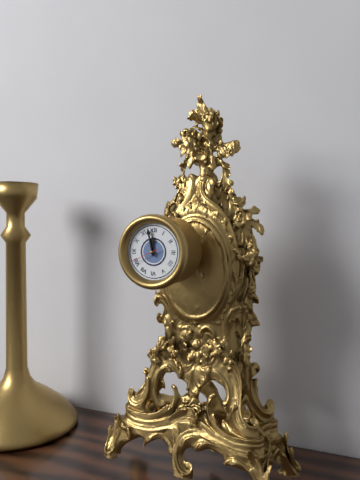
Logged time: 11:58
